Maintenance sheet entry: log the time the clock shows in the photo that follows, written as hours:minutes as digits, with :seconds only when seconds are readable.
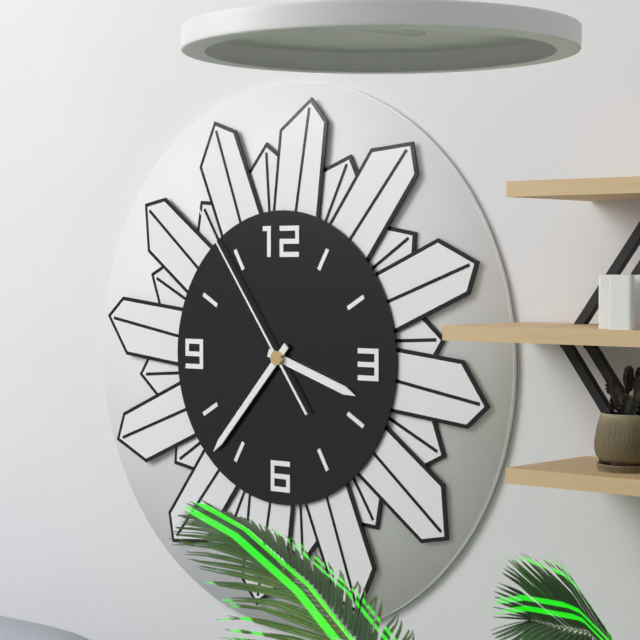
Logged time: 3:37:54
